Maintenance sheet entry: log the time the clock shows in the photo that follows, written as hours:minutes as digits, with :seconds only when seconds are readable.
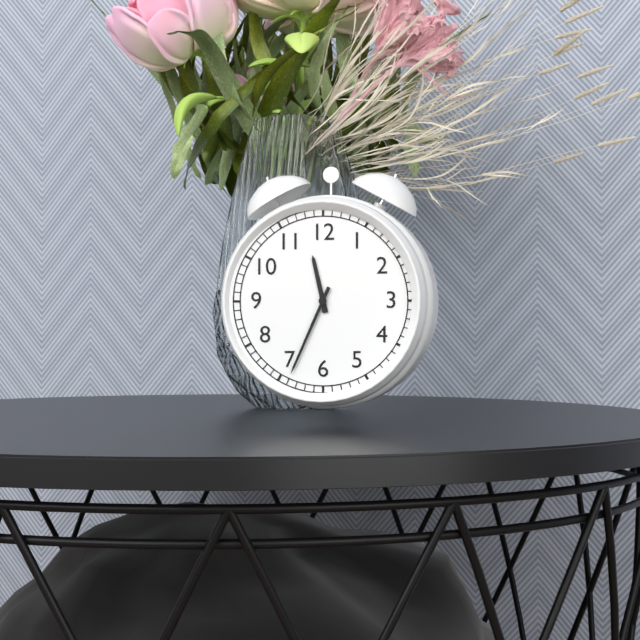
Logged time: 11:34
